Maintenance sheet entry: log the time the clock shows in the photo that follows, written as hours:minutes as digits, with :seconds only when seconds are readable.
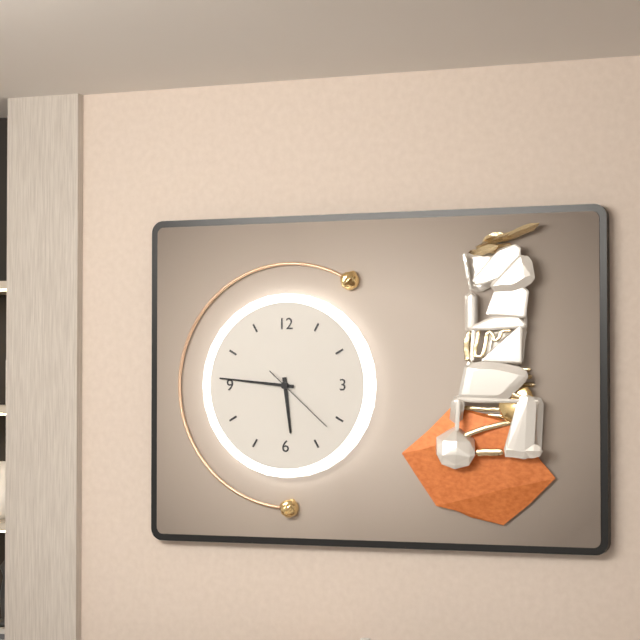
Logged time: 5:46:22
